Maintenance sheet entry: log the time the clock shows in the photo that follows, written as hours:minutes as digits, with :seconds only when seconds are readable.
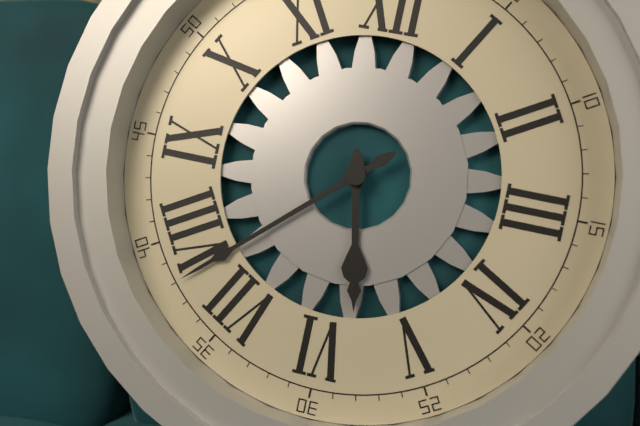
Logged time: 5:38
